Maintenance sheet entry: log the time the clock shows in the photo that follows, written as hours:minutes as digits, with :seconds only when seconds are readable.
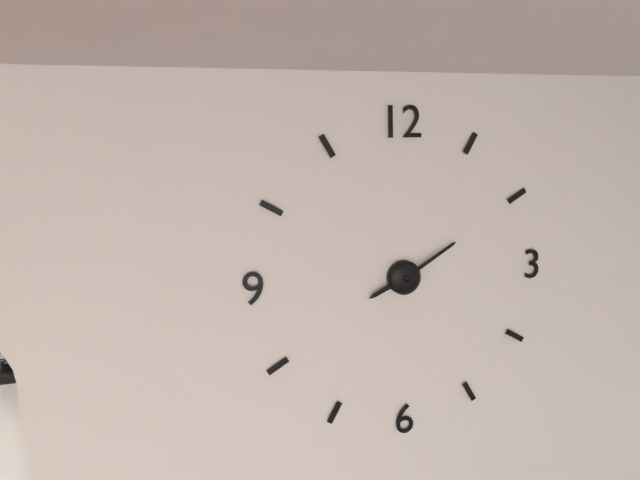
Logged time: 8:10
